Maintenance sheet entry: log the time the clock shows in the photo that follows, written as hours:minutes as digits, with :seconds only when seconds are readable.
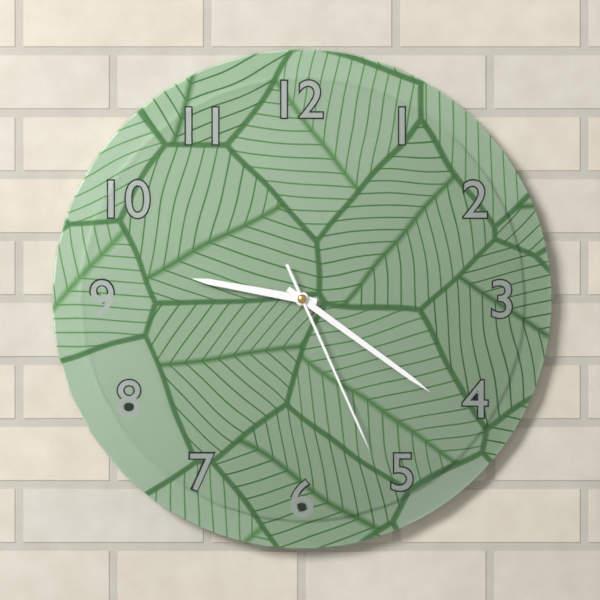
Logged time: 9:21:26
